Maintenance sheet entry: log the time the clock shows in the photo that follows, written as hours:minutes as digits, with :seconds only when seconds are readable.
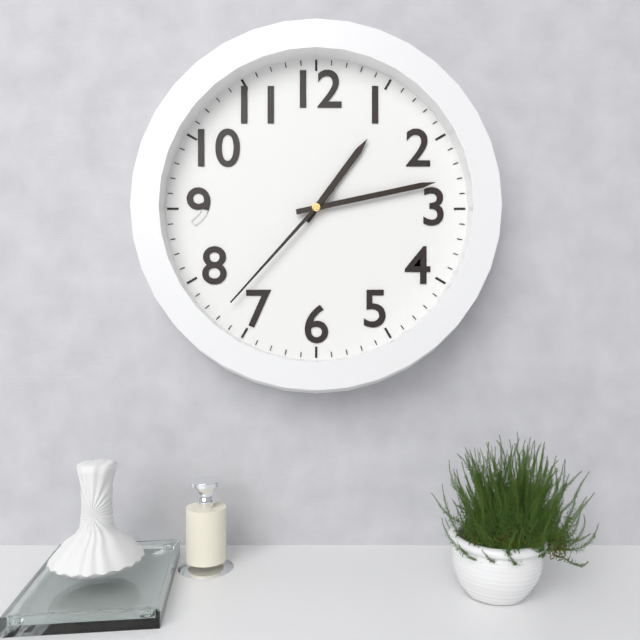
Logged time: 1:13:37
